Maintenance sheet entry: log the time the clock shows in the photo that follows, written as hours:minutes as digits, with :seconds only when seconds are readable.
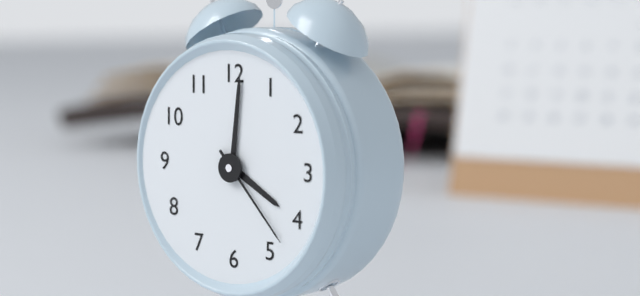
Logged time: 4:01:23
